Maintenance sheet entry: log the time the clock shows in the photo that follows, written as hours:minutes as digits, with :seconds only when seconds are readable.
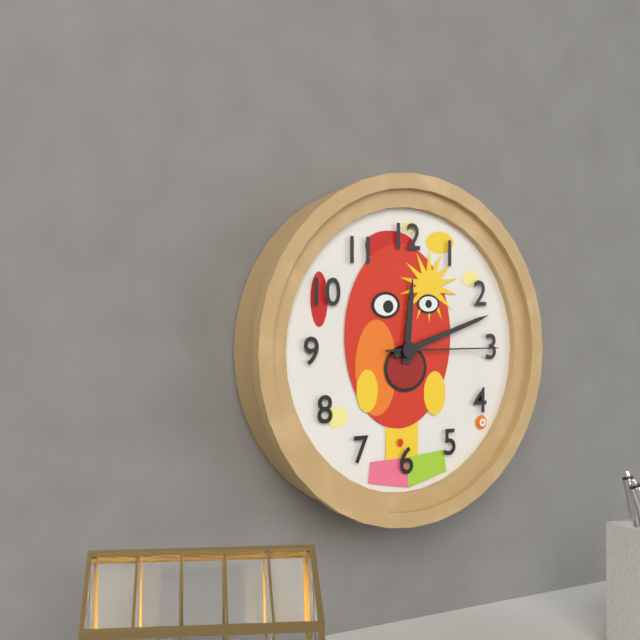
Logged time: 12:12:15
